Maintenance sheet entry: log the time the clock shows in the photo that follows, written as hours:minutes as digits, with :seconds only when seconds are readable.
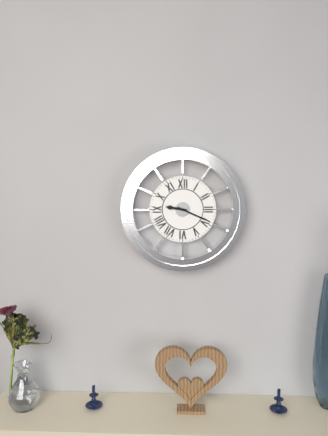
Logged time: 9:19
